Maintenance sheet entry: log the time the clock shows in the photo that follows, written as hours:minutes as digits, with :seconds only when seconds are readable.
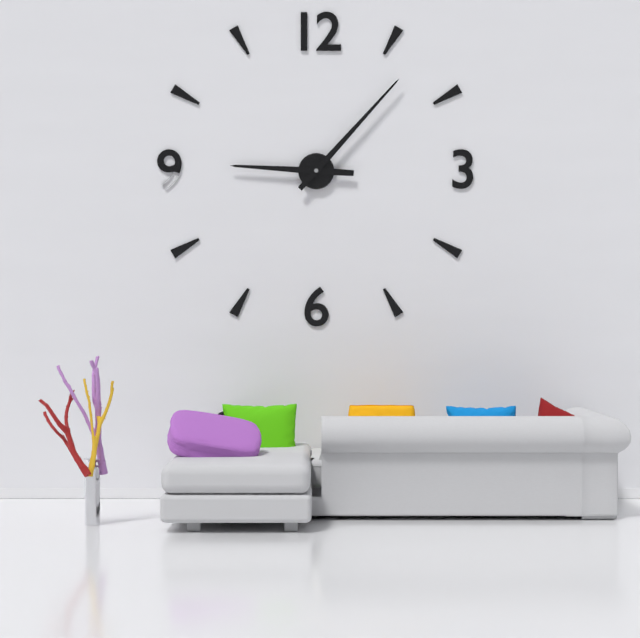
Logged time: 9:07
